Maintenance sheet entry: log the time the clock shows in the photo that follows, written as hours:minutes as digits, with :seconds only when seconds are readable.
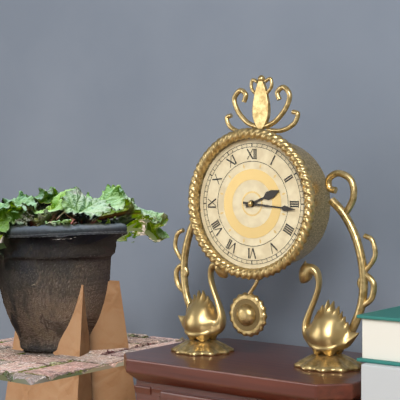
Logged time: 2:16
